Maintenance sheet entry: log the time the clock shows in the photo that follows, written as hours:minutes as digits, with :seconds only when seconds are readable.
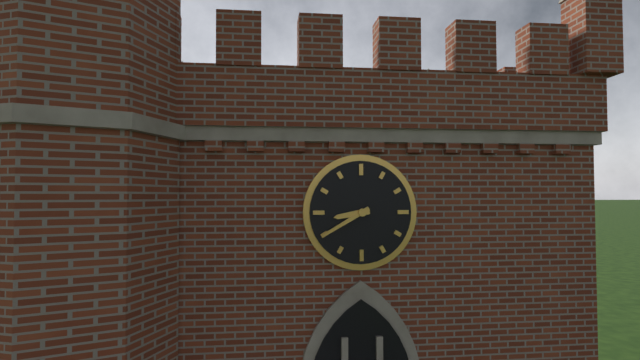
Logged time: 8:40
